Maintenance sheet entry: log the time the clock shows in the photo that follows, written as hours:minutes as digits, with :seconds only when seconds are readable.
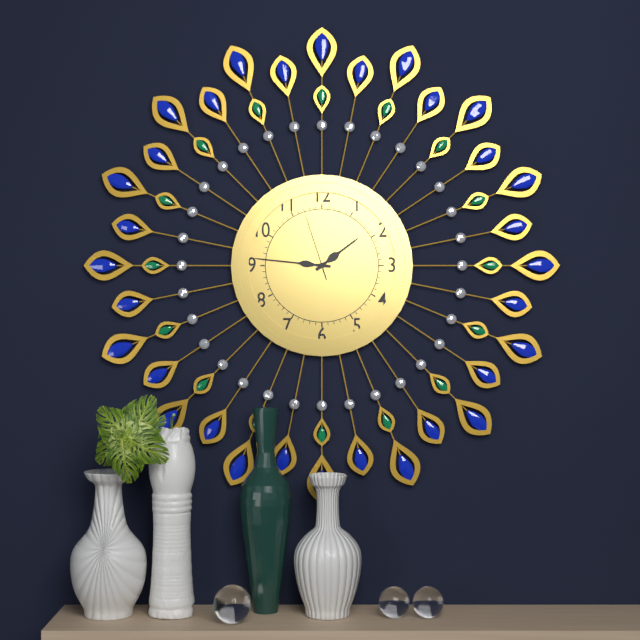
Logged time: 1:46:57
